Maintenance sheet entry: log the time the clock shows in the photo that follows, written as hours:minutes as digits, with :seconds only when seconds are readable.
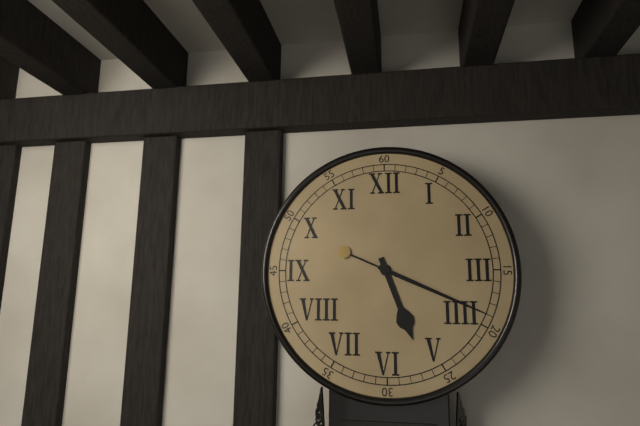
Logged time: 5:19
